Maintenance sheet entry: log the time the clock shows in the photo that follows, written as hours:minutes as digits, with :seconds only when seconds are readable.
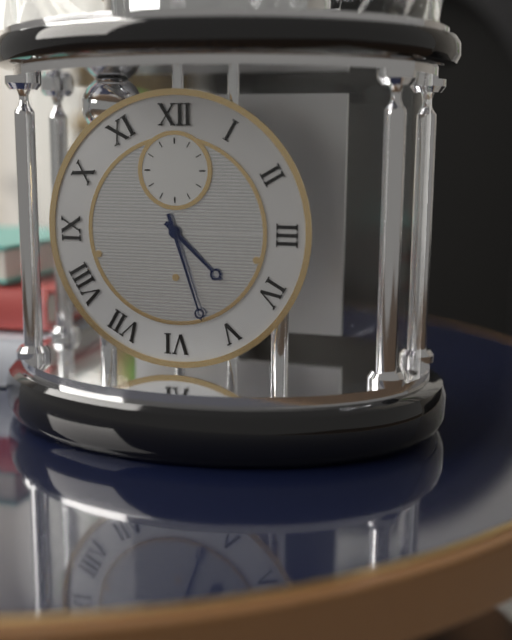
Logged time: 4:27
